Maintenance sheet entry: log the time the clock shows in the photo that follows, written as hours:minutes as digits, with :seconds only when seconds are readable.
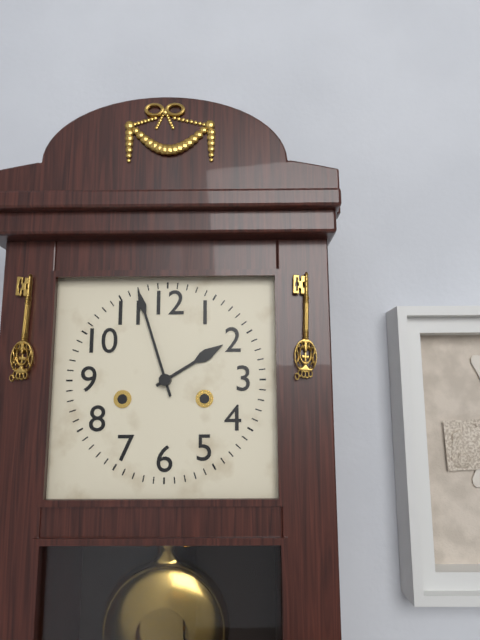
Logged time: 1:57
